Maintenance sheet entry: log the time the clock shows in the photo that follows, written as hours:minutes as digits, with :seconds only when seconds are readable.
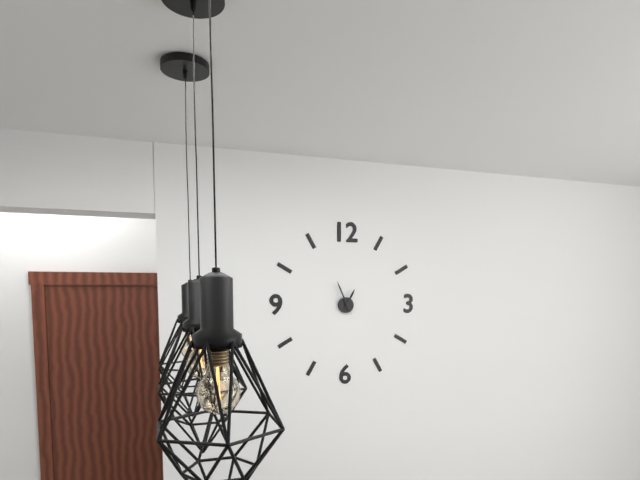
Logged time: 12:56
